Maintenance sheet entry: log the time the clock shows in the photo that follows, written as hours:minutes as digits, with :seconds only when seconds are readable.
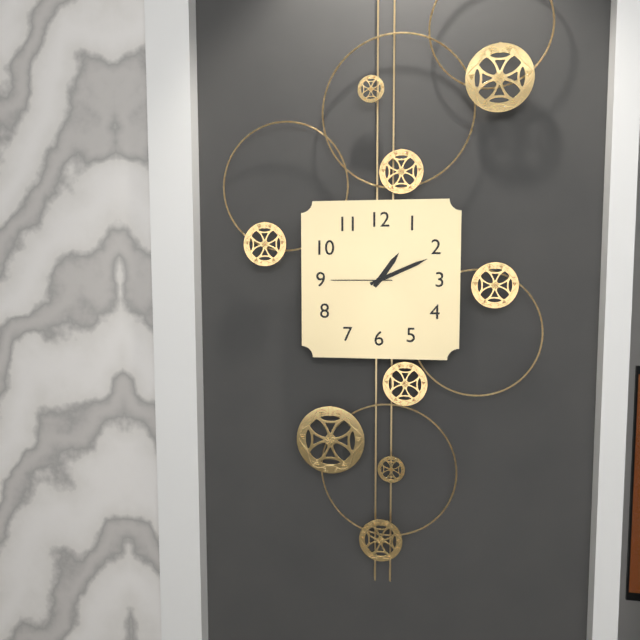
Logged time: 1:11:45
